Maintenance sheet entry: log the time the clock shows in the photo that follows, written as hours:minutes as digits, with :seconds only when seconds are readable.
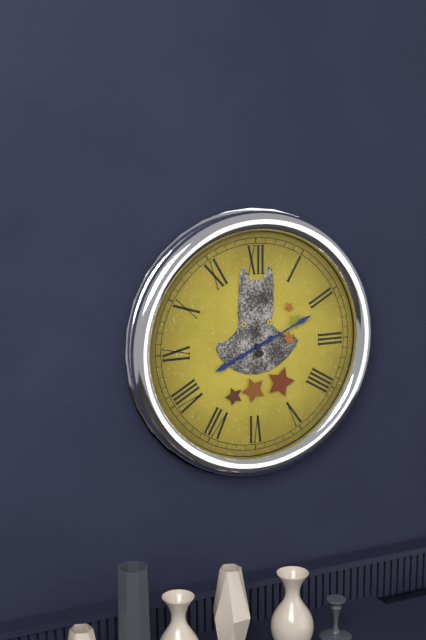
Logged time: 8:11
